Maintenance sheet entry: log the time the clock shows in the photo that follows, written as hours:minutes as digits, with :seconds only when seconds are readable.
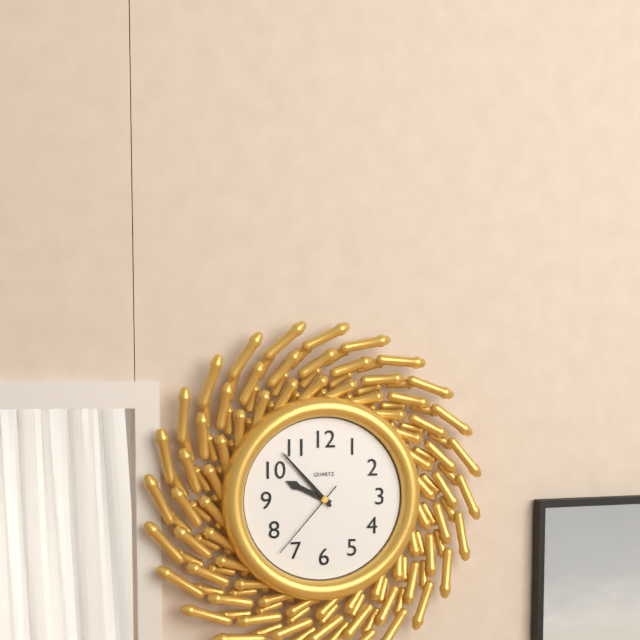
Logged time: 9:53:37
